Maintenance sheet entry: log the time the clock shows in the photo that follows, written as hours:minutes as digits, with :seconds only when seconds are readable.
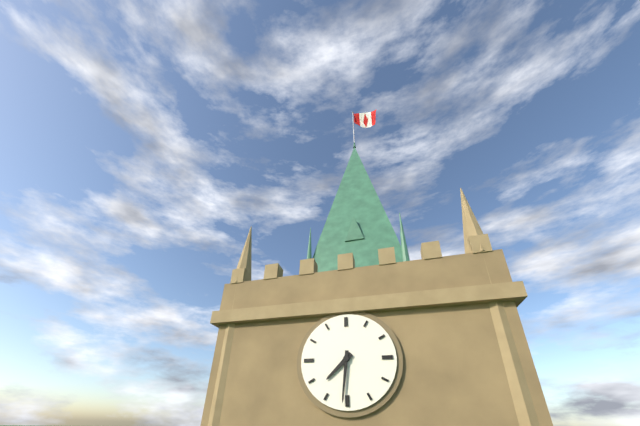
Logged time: 7:31
